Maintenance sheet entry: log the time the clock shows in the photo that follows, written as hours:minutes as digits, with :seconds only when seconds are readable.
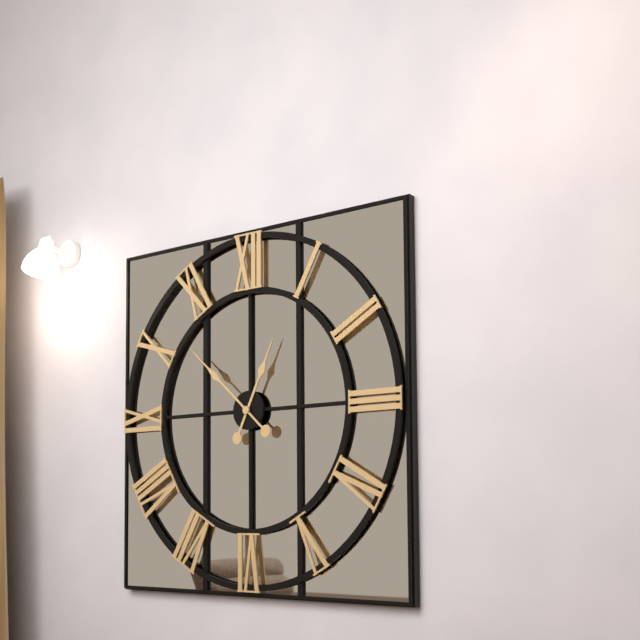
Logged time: 12:52
